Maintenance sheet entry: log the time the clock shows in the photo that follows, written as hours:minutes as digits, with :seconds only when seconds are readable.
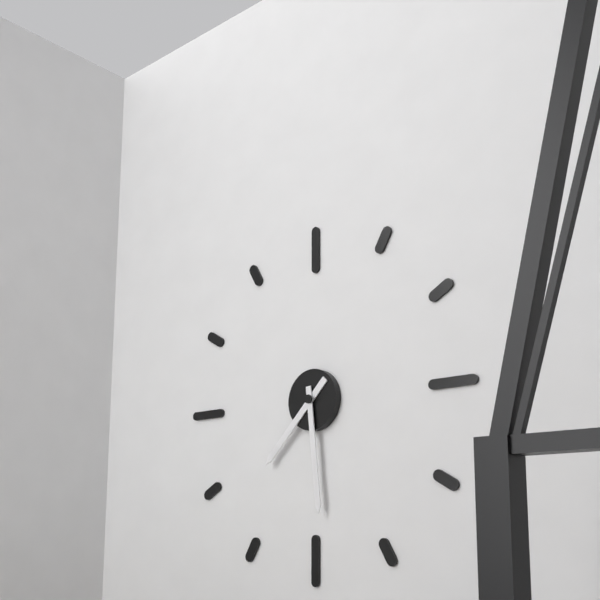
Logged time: 7:29
